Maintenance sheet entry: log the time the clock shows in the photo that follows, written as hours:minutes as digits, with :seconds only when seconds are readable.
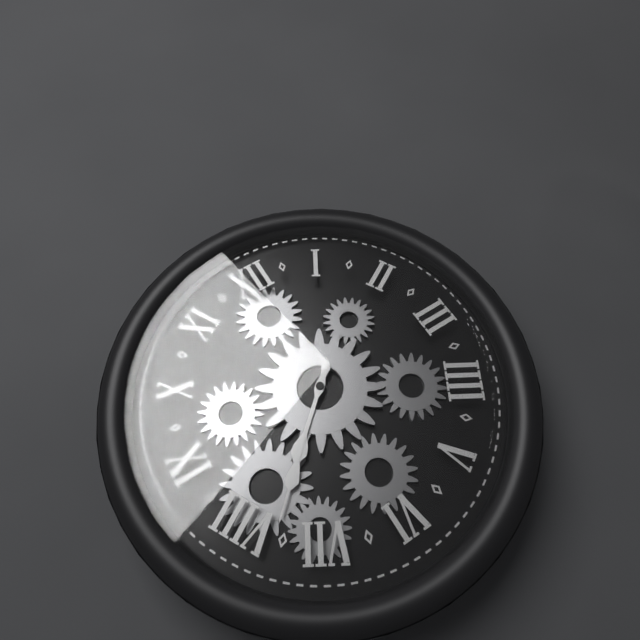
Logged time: 7:38
